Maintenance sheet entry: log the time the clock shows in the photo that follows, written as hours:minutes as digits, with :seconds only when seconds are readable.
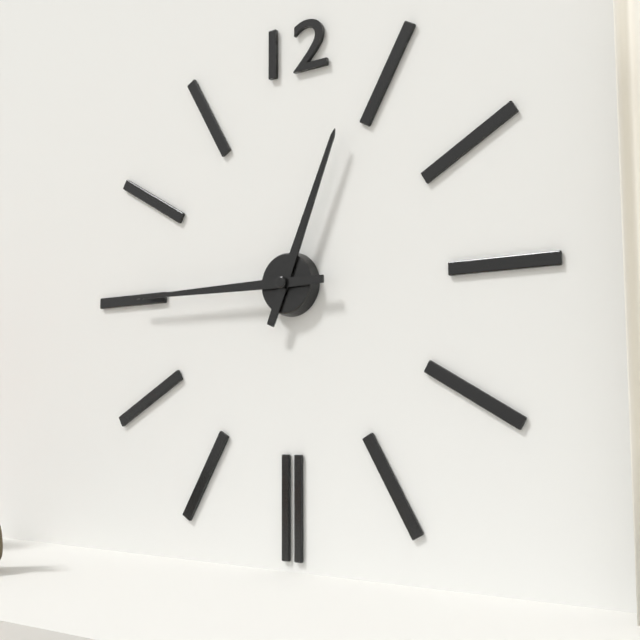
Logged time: 12:45
